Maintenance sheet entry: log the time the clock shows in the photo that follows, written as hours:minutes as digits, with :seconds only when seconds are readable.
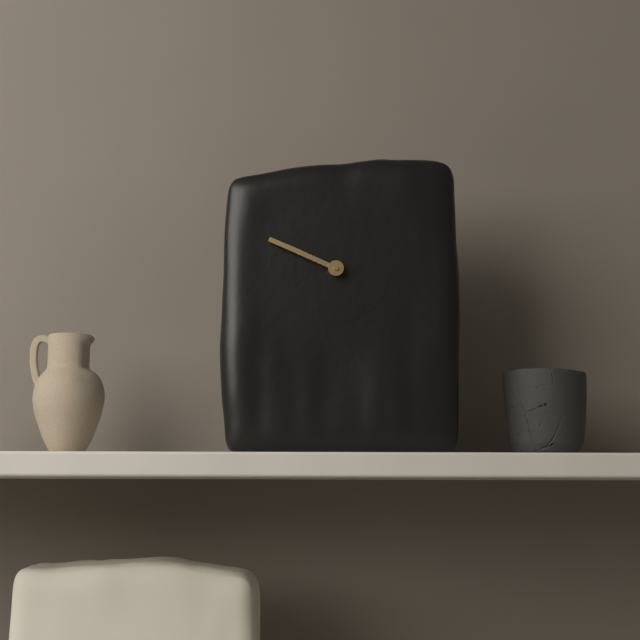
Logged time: 9:49
